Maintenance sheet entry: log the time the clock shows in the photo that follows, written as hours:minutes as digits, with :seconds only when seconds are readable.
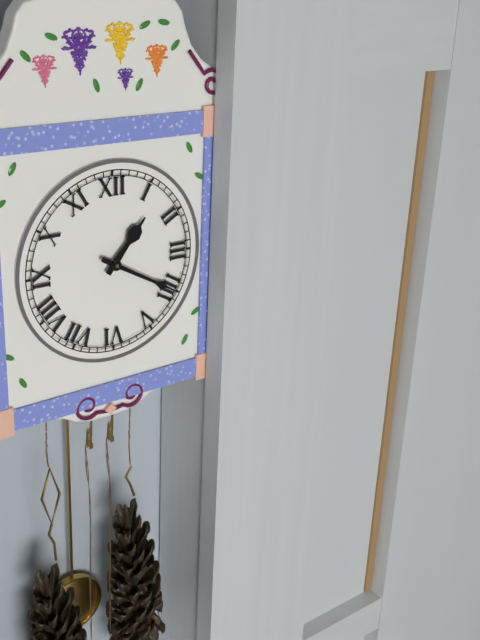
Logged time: 1:20
